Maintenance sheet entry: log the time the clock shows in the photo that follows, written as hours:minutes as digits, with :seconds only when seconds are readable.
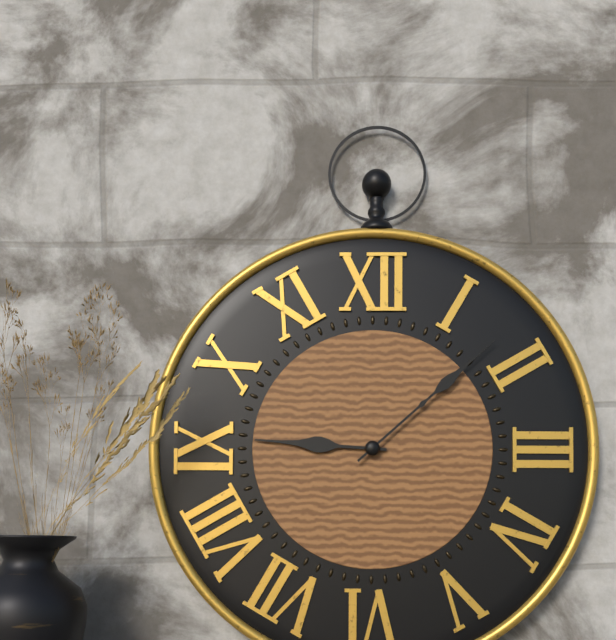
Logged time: 9:08
